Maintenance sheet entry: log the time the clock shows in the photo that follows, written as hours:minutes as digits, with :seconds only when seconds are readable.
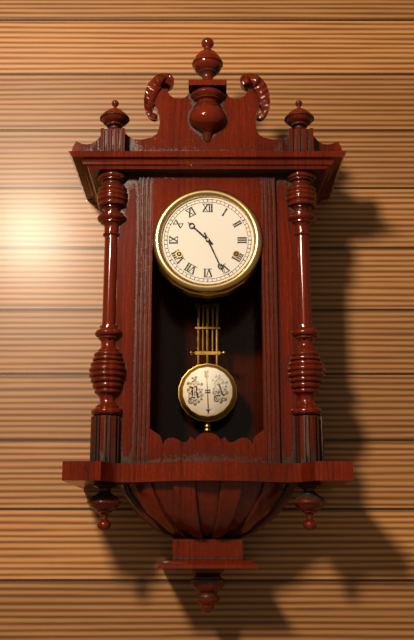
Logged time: 10:26
